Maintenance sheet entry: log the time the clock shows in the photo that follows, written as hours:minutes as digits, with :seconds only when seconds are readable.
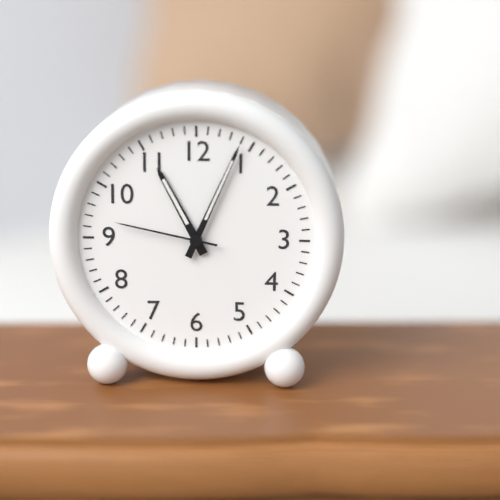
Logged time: 11:04:47
